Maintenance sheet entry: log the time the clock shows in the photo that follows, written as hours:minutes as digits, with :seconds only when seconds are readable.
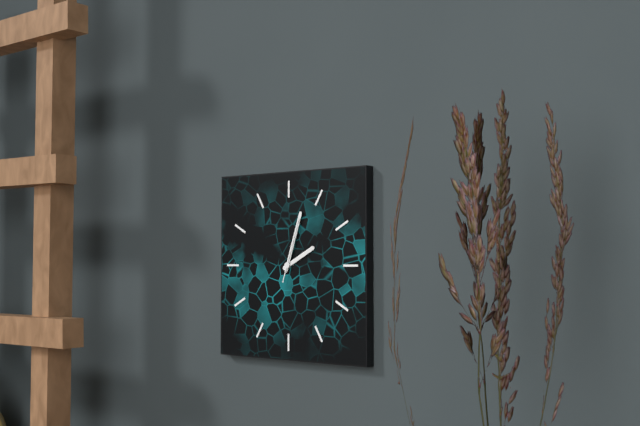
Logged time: 2:03:03
